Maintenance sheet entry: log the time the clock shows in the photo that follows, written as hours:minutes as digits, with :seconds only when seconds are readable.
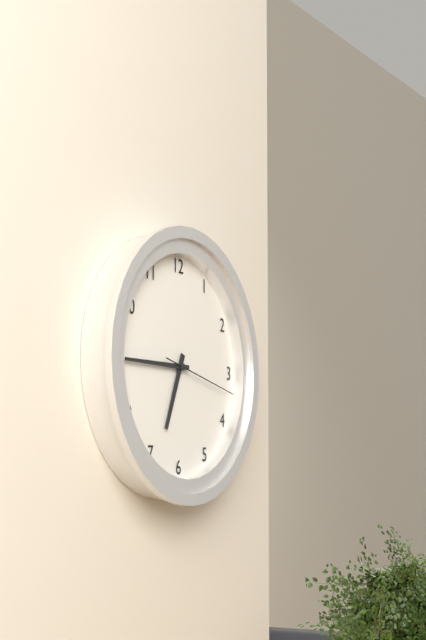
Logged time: 6:45:17
